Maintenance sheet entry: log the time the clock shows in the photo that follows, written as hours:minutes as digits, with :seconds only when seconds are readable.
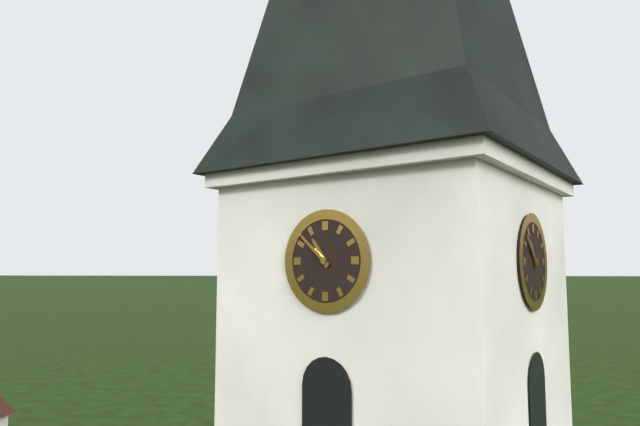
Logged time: 10:52
